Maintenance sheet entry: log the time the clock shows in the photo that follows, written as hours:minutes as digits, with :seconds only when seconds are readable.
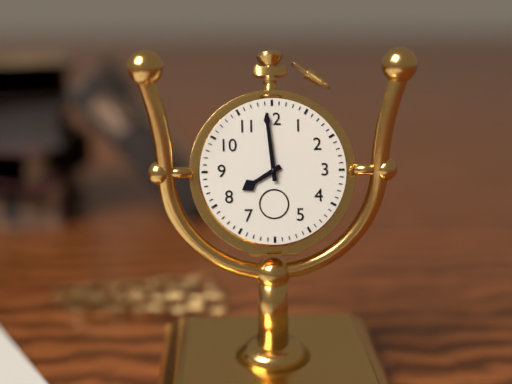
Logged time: 7:59
